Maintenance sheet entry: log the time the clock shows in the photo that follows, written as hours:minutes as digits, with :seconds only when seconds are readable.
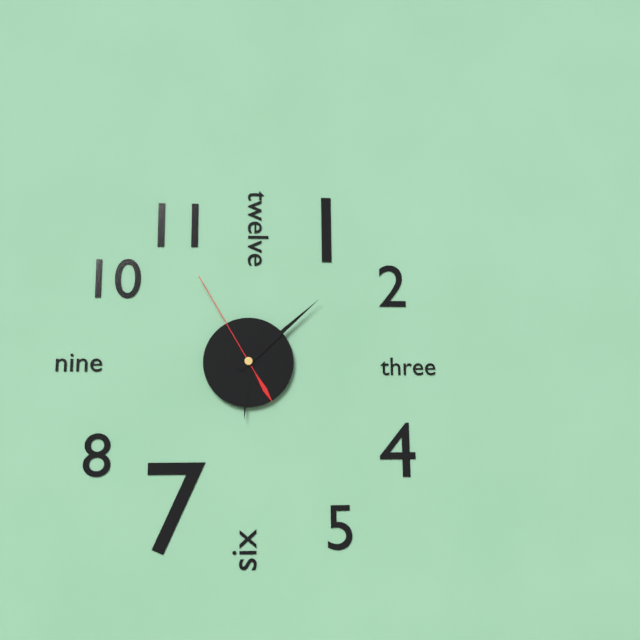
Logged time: 6:08:55
